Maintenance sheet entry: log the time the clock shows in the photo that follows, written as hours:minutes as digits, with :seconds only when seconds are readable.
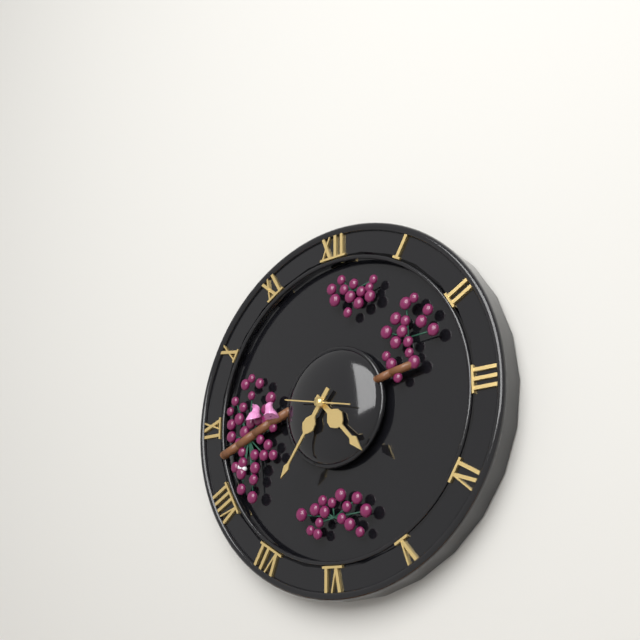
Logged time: 4:36:47
